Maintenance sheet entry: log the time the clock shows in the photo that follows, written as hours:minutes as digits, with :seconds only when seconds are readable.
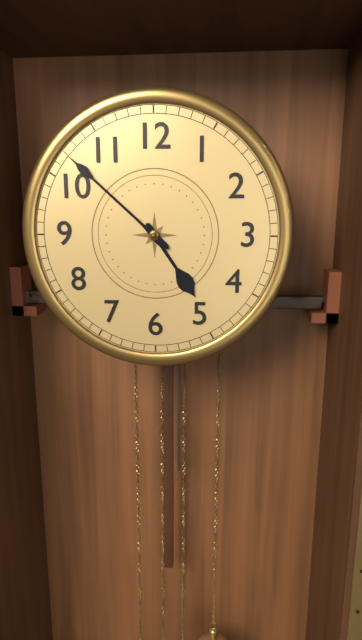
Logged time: 4:52
